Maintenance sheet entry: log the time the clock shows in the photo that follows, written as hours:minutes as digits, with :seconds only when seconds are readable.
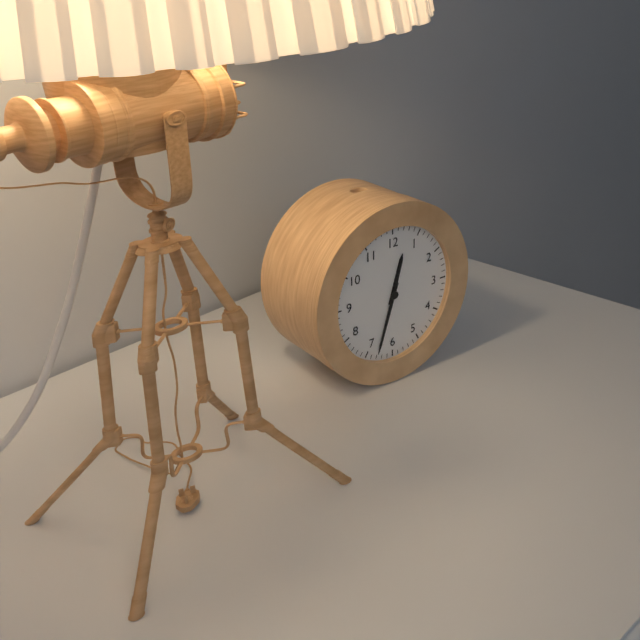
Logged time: 12:33
